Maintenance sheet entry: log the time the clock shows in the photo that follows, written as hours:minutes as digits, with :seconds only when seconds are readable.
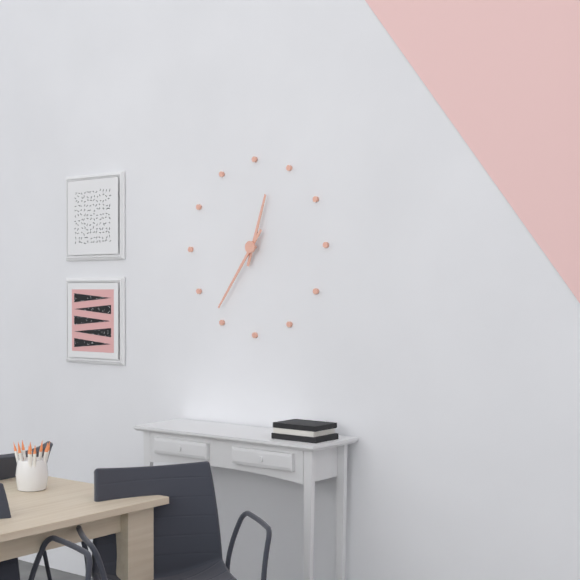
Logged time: 12:36
